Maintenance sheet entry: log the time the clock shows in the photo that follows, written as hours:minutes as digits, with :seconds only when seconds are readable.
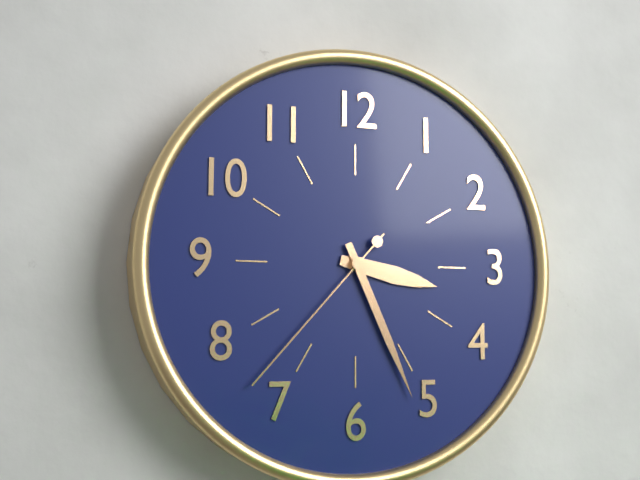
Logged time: 3:26:37
